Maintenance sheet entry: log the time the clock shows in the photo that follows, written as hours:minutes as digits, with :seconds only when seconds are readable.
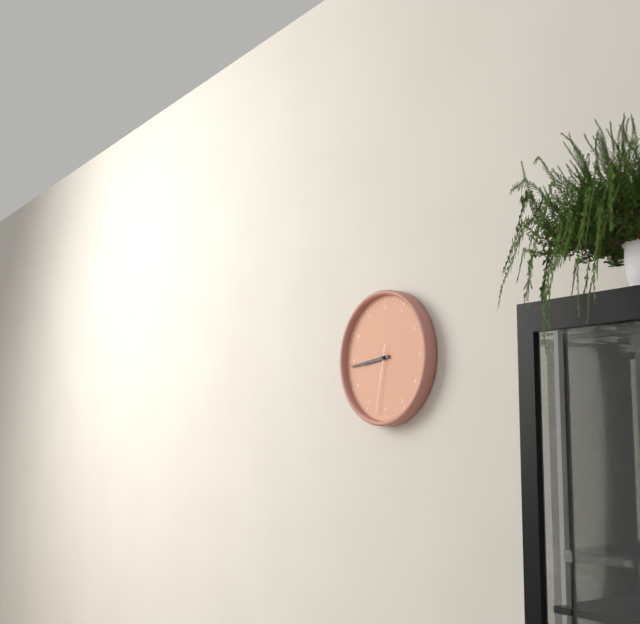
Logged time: 8:44:32
